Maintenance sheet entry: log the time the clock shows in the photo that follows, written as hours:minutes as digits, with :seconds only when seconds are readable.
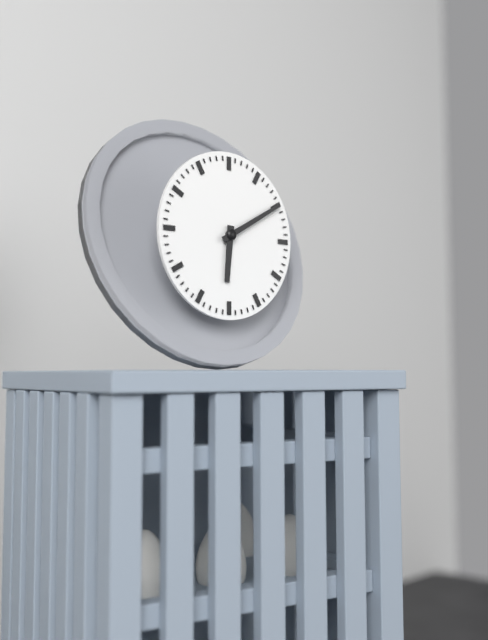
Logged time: 6:10
